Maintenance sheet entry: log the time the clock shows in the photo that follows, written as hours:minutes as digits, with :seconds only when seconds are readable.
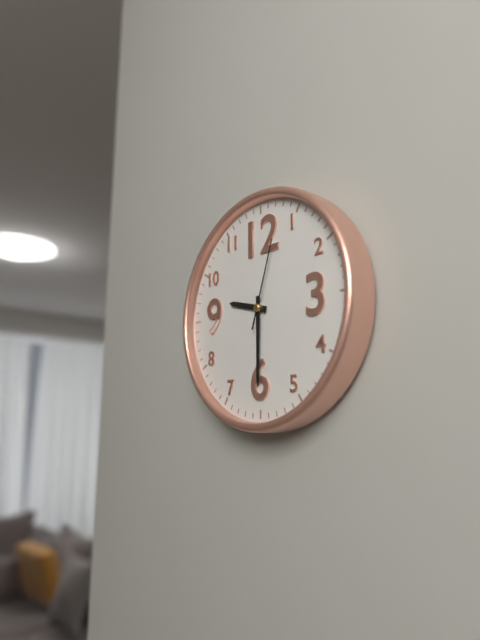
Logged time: 9:30:03
